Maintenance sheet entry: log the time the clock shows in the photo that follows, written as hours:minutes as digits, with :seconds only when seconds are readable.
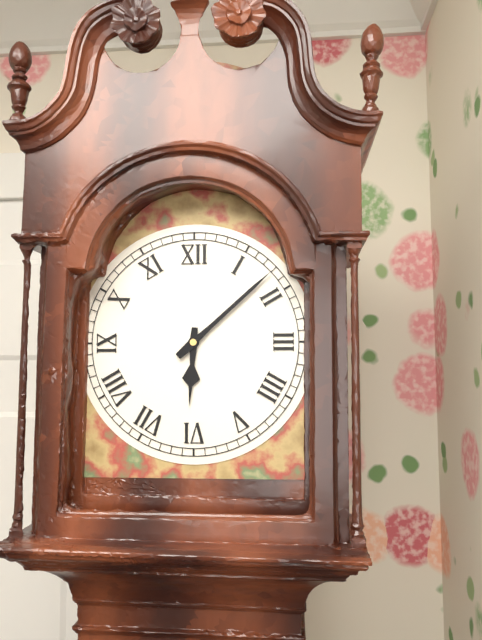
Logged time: 6:08
